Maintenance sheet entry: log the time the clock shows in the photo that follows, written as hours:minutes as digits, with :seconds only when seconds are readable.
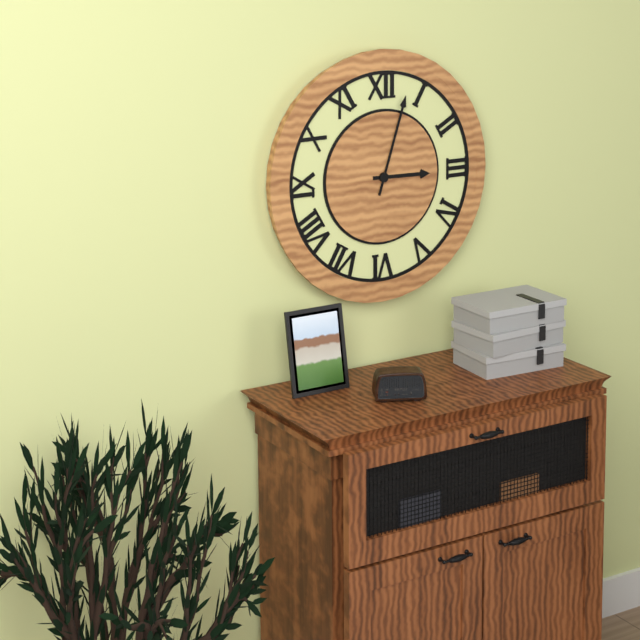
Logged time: 3:03
